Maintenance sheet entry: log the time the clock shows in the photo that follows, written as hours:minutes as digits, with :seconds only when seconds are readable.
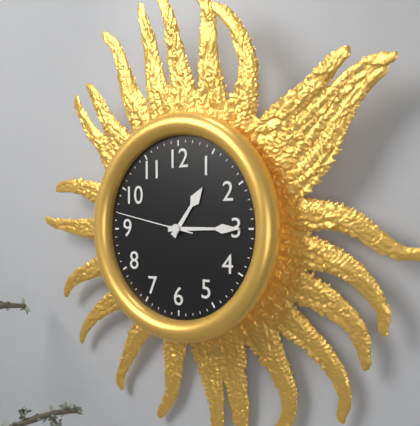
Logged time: 1:15:47
